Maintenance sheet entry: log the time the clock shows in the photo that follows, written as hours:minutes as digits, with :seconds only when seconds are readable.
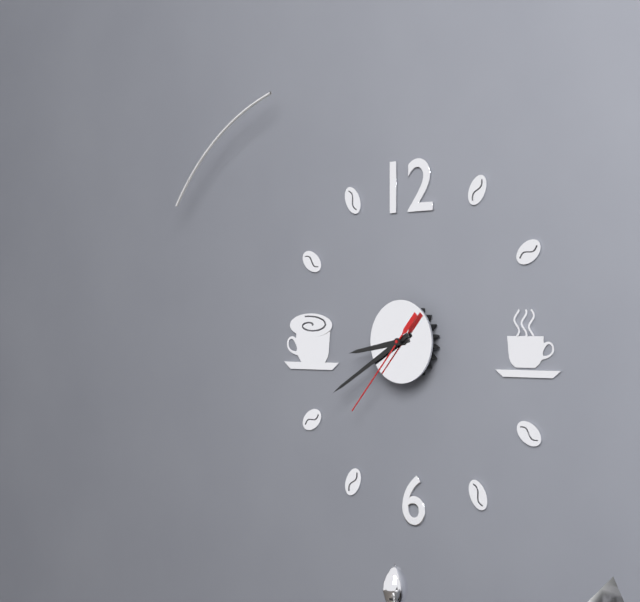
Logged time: 8:40:37
